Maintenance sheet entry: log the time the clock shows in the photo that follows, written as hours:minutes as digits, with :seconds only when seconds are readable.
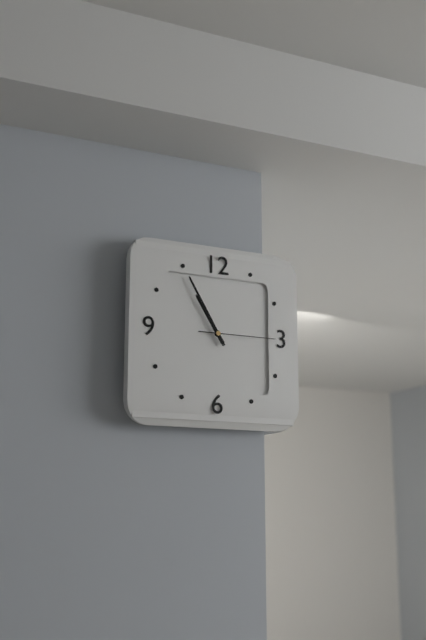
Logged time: 10:55:15
